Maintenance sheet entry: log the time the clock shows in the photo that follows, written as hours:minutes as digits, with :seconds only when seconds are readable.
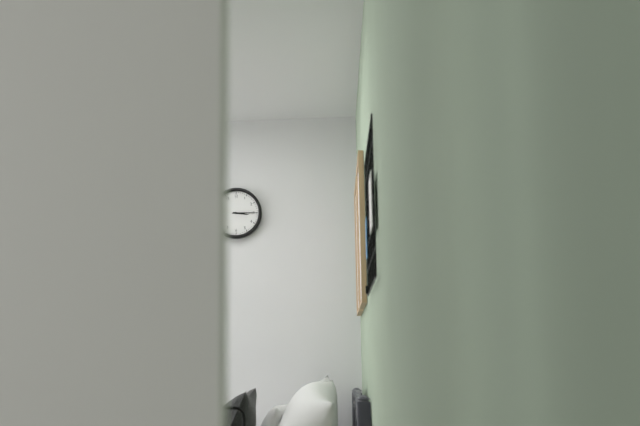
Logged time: 3:15
